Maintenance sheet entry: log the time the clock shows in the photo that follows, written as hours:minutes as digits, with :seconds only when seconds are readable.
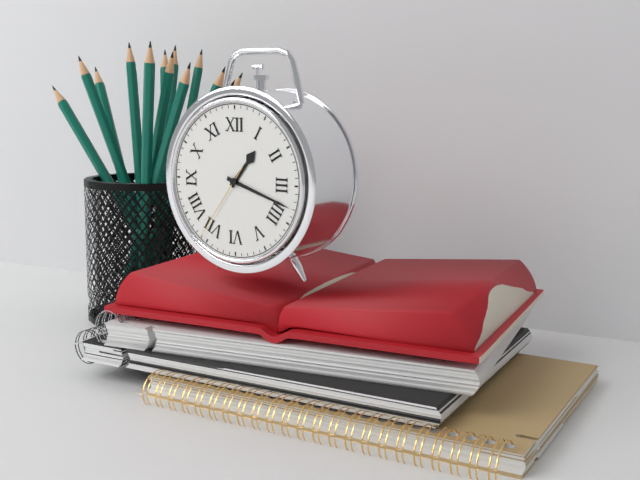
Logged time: 1:18:36
